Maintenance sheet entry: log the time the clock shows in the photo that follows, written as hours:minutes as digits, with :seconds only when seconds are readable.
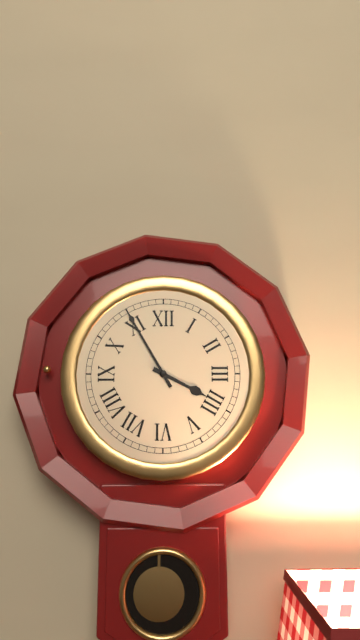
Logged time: 3:55
